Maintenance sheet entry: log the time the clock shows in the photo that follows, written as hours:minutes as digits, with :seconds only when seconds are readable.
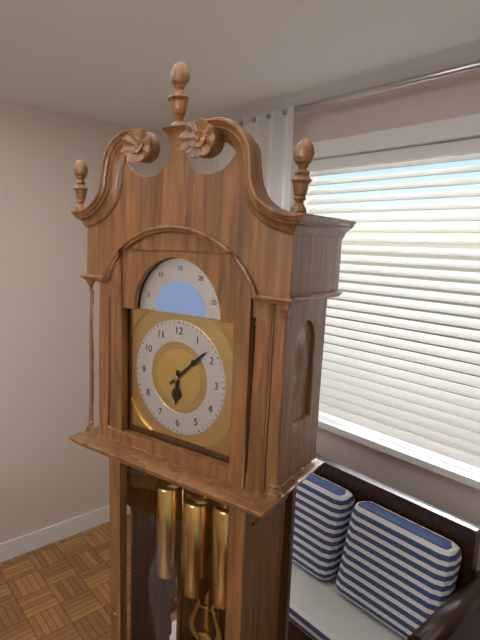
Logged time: 6:08
